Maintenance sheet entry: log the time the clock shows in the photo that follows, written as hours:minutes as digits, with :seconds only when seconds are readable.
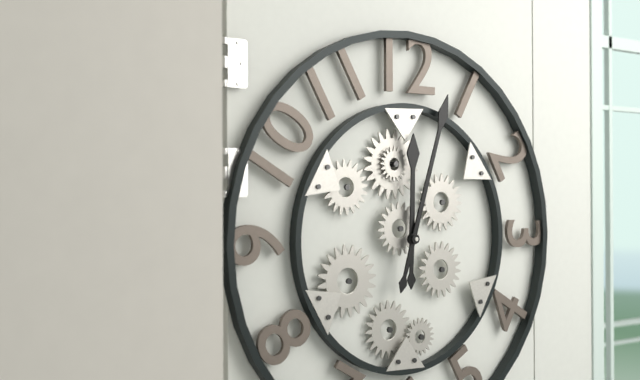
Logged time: 12:03
